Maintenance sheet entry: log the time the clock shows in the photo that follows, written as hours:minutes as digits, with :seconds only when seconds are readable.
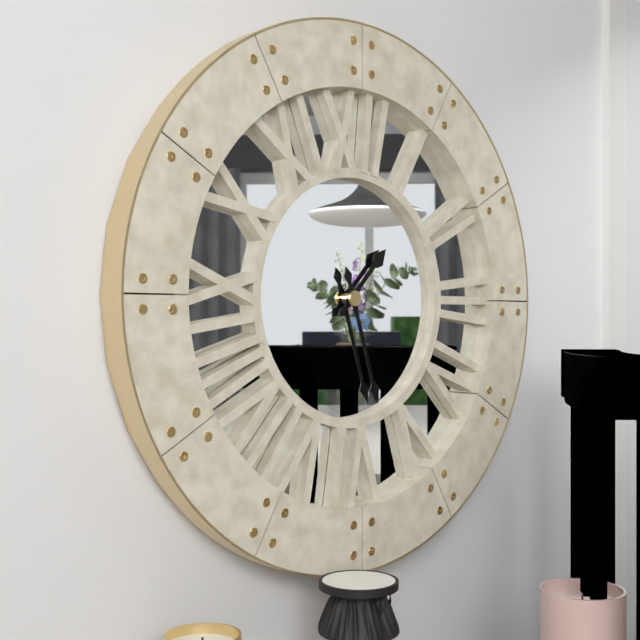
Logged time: 1:27
